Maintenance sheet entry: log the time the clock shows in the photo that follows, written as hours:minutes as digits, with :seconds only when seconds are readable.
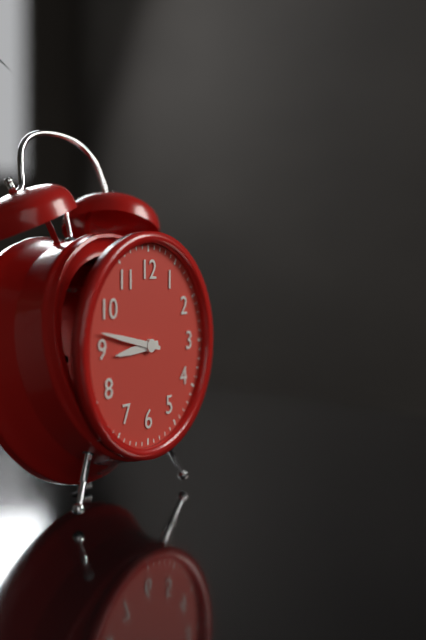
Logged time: 8:47
